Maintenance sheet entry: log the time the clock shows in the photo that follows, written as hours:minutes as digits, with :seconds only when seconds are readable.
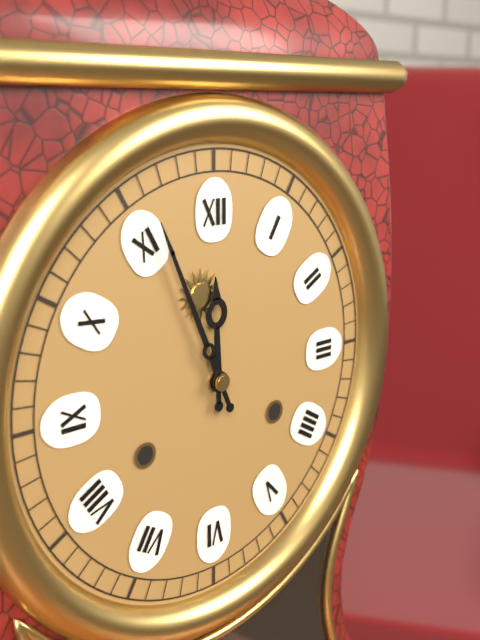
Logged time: 11:56
